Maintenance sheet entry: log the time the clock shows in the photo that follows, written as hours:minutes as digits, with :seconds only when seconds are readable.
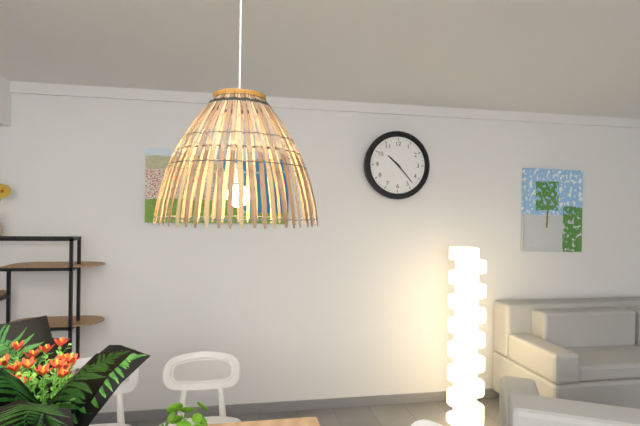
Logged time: 10:23
